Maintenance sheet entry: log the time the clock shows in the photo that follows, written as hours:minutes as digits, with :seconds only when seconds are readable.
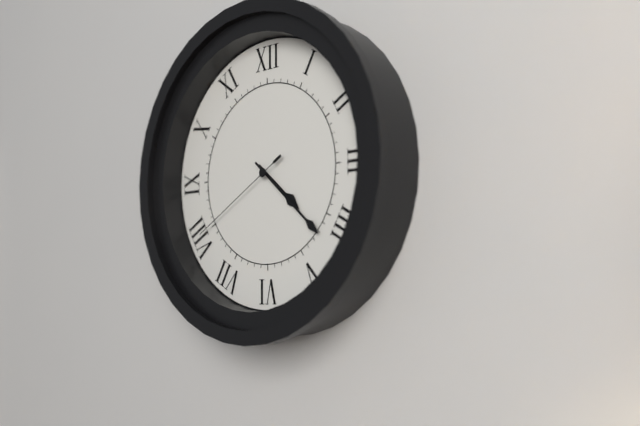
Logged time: 4:22:40
